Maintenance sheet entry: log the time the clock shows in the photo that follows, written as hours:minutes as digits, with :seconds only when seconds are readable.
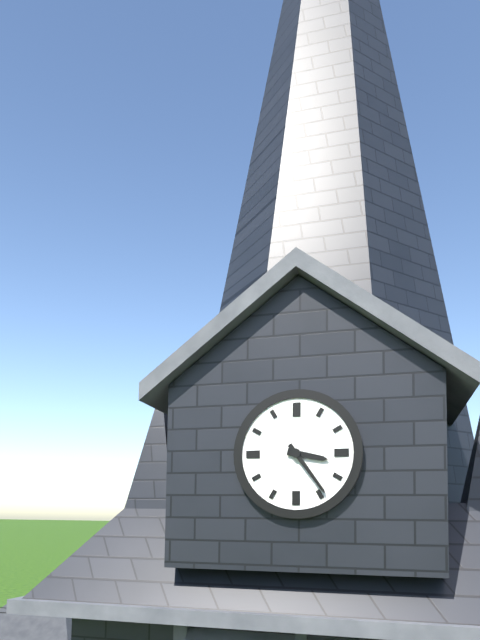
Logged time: 3:24
